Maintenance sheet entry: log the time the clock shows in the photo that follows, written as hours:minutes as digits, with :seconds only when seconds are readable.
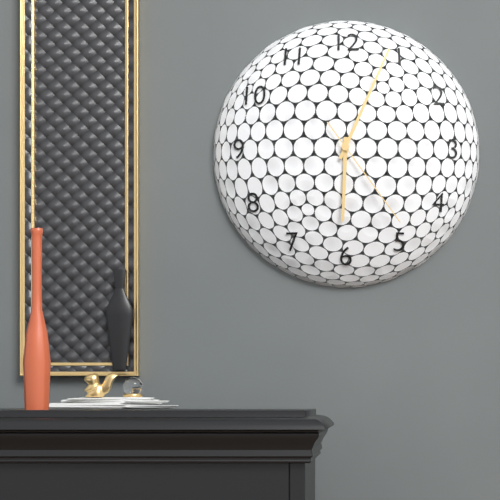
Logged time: 6:04:24
